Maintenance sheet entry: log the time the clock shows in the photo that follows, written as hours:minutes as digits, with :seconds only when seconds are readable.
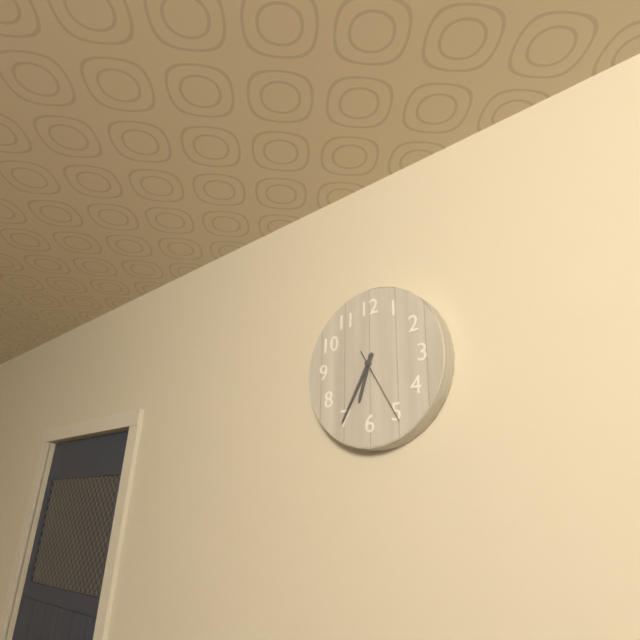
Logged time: 6:35:25
